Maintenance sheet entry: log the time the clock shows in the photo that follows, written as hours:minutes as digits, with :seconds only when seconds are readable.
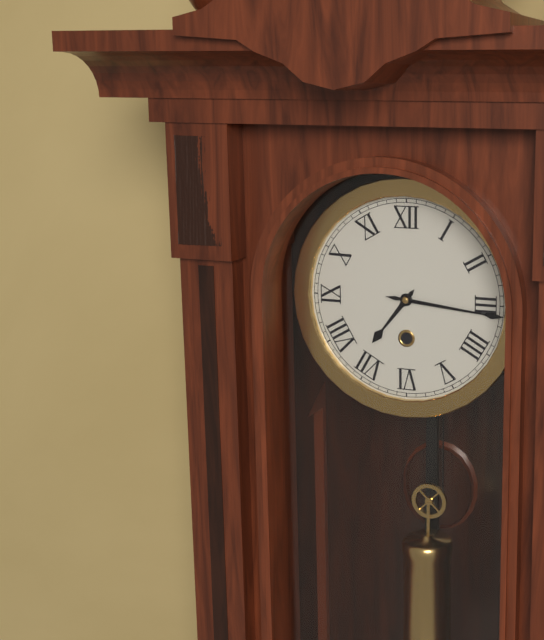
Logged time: 7:16
